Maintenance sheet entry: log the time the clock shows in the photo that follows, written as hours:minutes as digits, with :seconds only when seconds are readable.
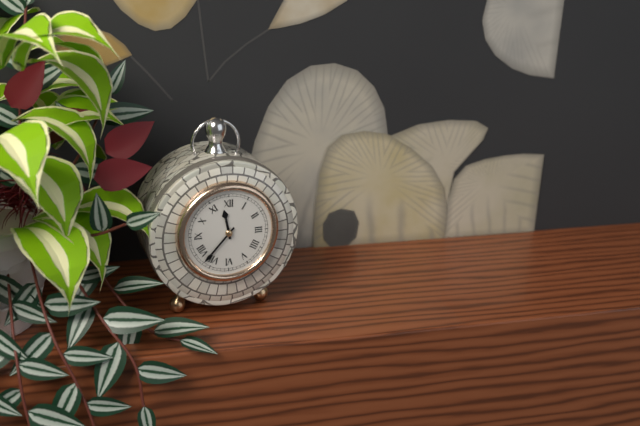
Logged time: 11:37
